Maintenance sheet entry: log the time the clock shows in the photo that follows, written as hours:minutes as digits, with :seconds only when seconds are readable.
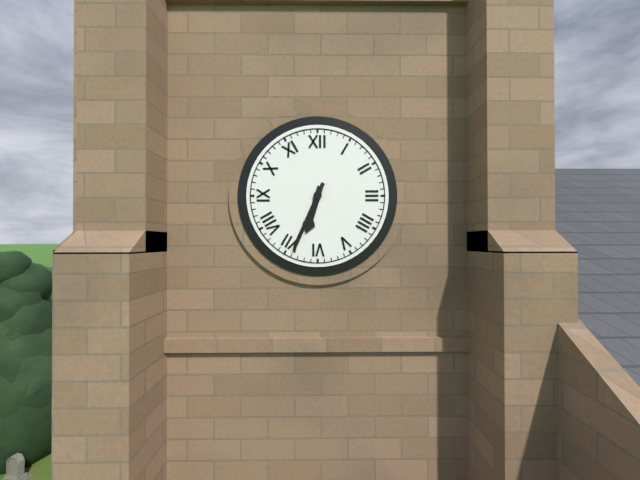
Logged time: 6:34
